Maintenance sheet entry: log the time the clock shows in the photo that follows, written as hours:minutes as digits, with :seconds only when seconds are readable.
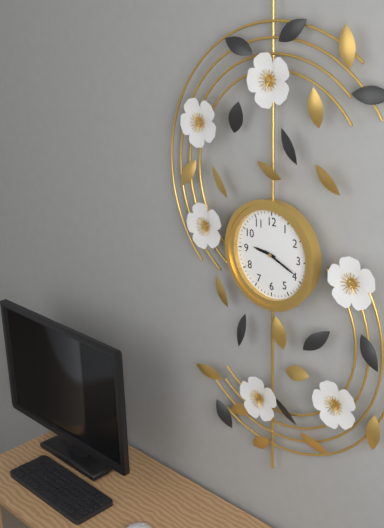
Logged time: 9:19
